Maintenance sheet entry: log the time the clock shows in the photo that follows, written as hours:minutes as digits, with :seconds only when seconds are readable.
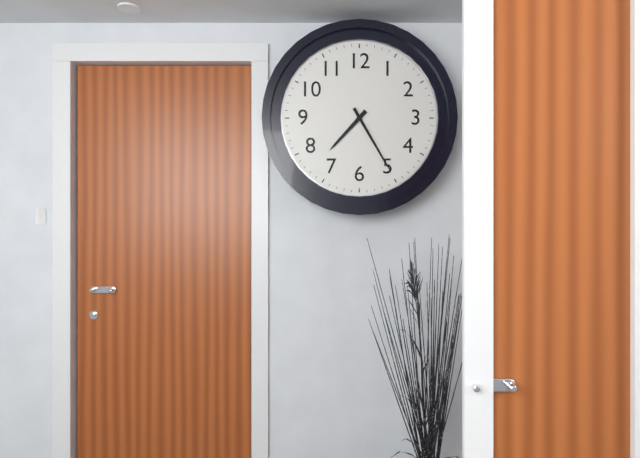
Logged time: 7:25
